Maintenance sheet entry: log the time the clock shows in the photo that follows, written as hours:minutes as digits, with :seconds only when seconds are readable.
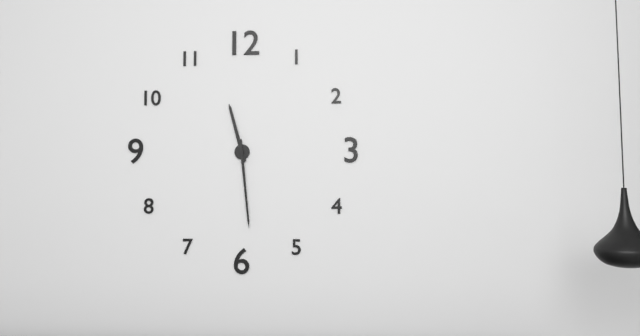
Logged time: 11:29
